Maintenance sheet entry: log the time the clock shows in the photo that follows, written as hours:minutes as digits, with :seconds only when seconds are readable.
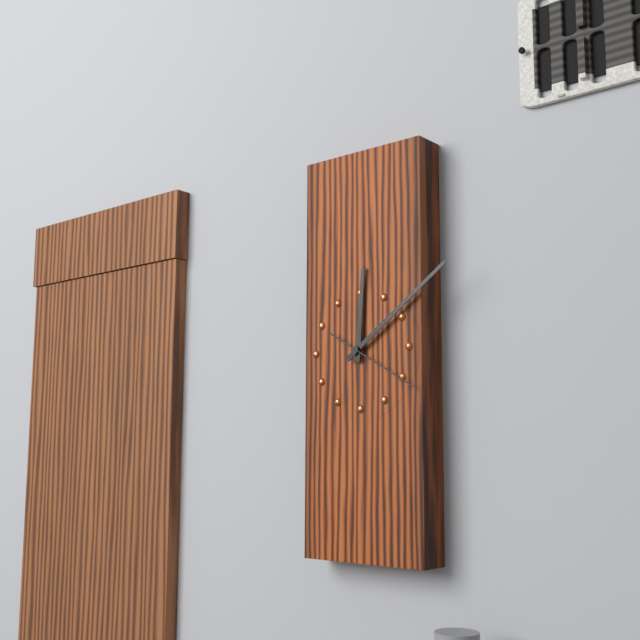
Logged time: 12:09:20
